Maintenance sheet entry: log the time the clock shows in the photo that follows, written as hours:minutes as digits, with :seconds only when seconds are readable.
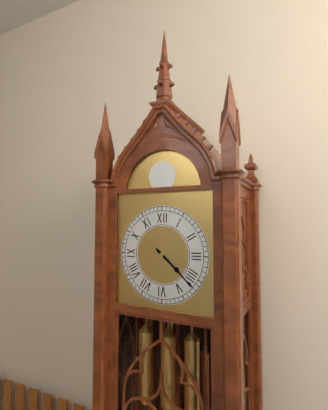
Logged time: 4:22
